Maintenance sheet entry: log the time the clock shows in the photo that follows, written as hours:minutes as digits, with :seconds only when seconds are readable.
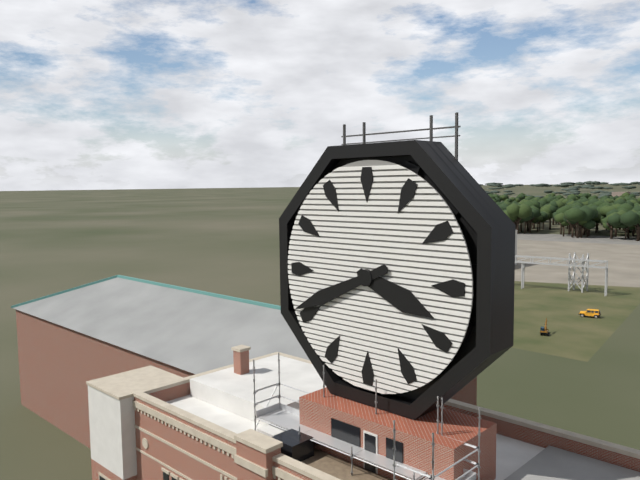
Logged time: 3:41
